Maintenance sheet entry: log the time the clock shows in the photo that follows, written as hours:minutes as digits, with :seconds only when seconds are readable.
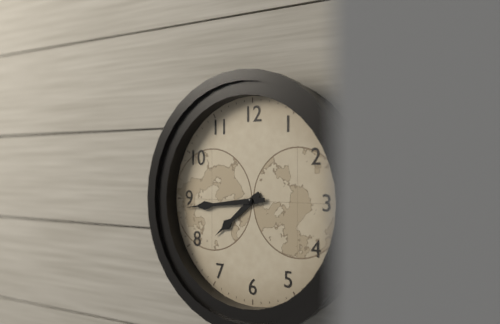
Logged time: 7:44
